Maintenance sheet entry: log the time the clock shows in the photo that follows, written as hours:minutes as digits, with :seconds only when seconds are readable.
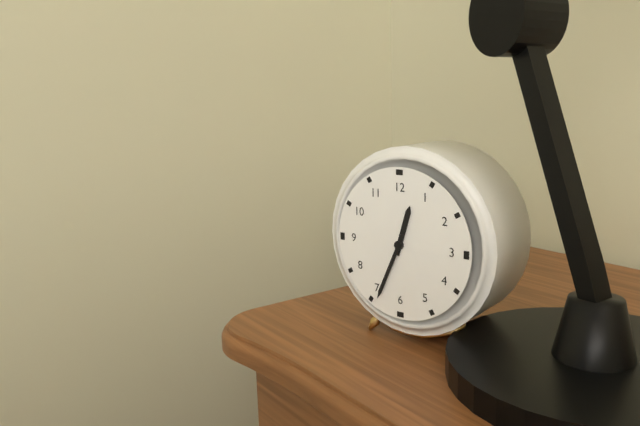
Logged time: 12:34
